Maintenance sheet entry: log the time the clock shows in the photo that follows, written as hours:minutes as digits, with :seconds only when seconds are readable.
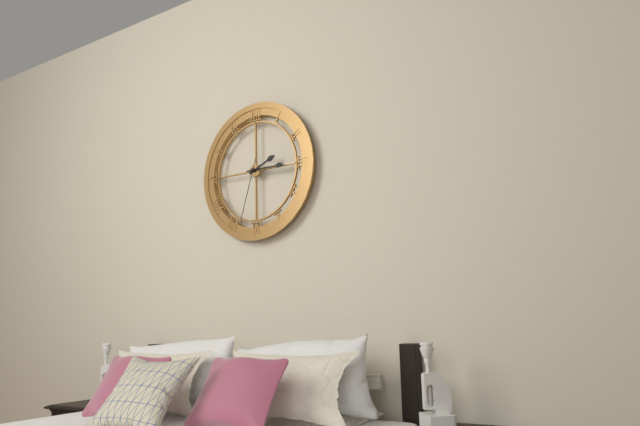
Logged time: 2:15:33
